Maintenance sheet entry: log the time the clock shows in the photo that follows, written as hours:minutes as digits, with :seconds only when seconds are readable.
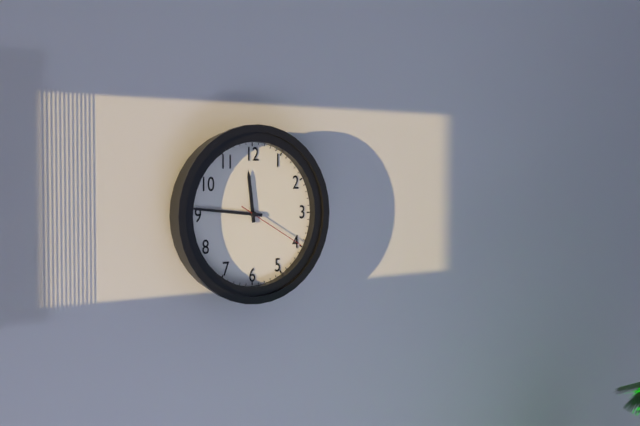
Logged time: 11:46:20
